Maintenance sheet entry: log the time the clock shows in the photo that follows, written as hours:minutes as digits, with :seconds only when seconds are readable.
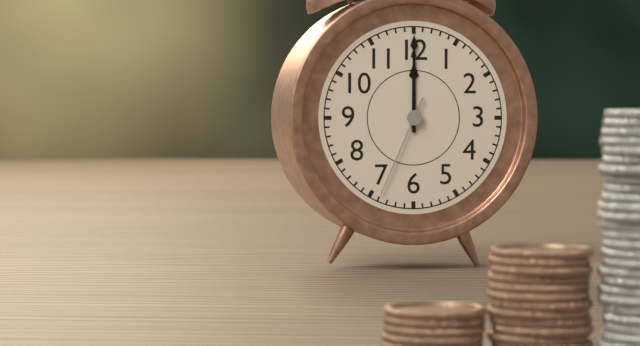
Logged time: 12:00:34
